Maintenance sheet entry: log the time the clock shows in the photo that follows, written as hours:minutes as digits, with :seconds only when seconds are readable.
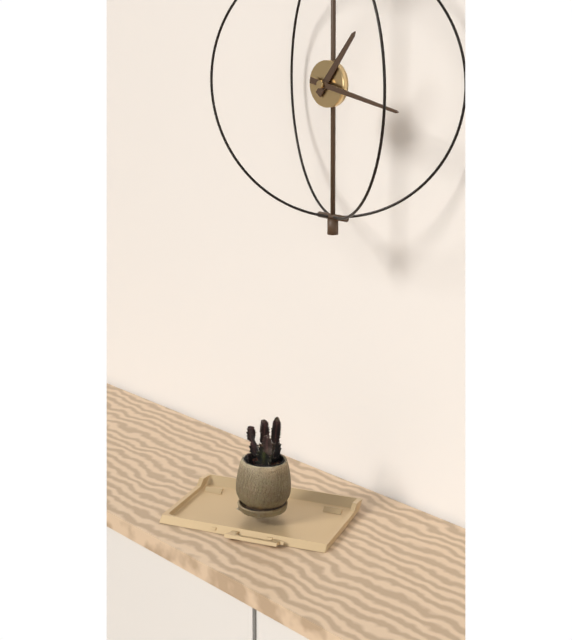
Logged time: 1:17
